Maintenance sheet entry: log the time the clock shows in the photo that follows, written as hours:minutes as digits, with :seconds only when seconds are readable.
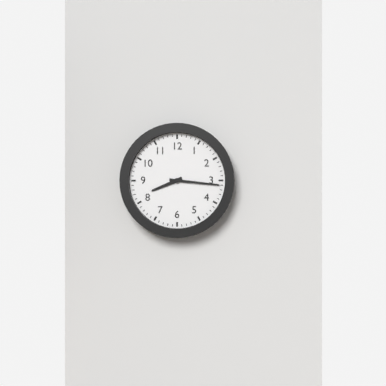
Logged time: 8:16
